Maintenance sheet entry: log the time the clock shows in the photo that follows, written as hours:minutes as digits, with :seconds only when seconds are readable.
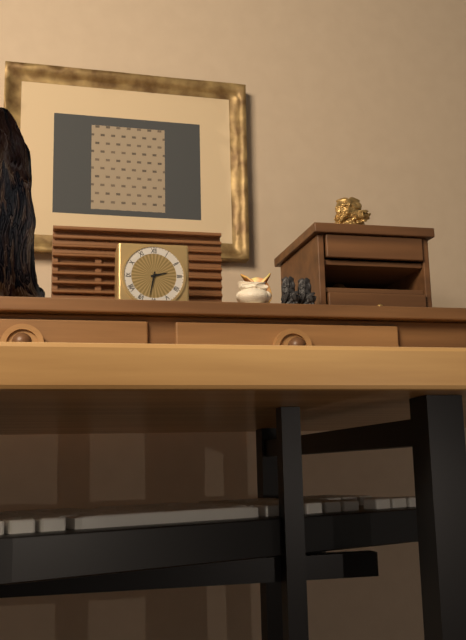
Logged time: 2:32
